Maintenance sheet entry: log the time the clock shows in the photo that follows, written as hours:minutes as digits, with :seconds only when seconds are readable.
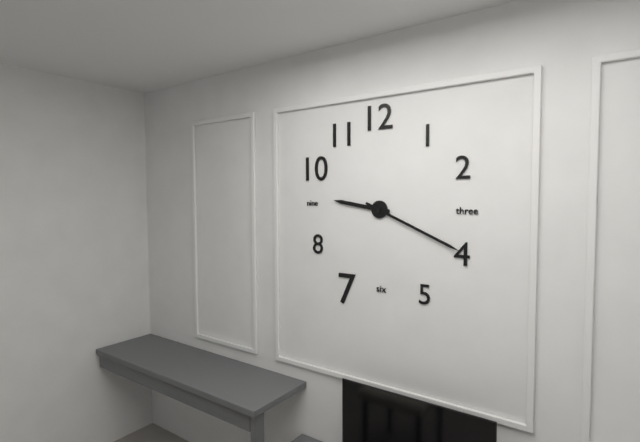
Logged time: 9:19
